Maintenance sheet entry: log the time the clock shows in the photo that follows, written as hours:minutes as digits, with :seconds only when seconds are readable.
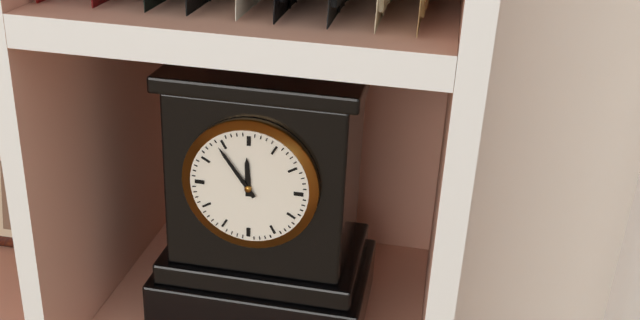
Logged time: 11:54
